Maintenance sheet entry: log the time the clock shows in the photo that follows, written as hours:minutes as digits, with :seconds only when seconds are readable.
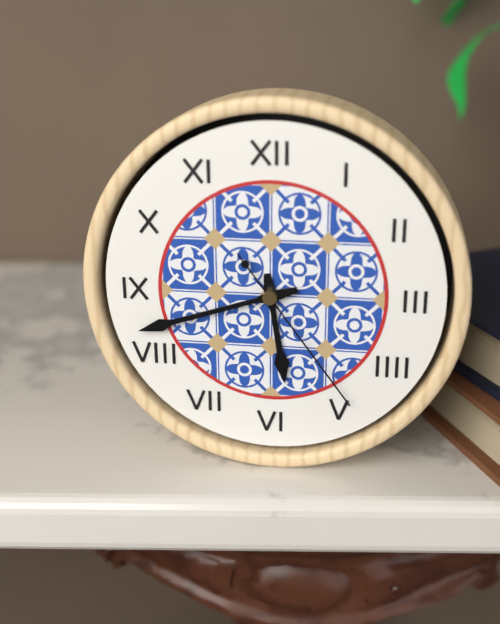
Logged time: 5:42:24
